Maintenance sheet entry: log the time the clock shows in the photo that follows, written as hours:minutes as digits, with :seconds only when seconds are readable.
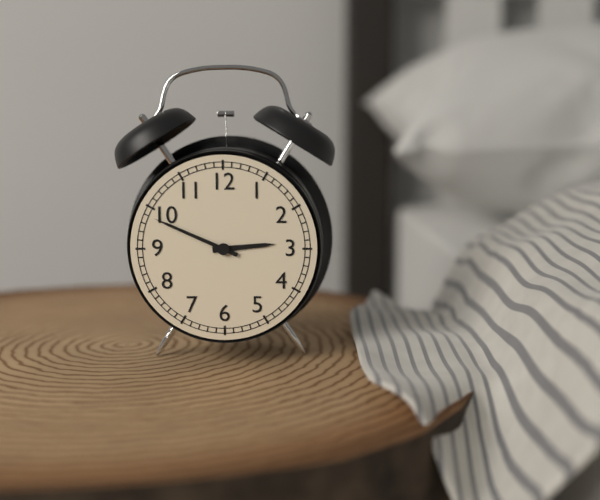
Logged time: 2:49
